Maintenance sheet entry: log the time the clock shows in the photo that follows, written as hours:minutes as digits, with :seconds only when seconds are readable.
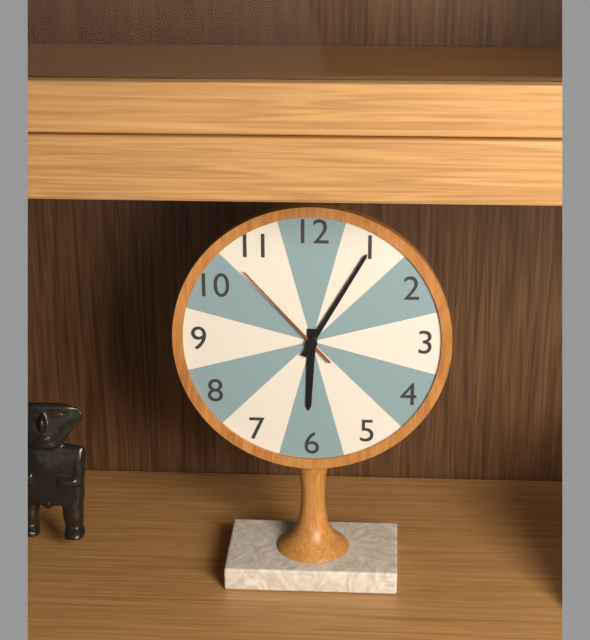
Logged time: 6:05:53
